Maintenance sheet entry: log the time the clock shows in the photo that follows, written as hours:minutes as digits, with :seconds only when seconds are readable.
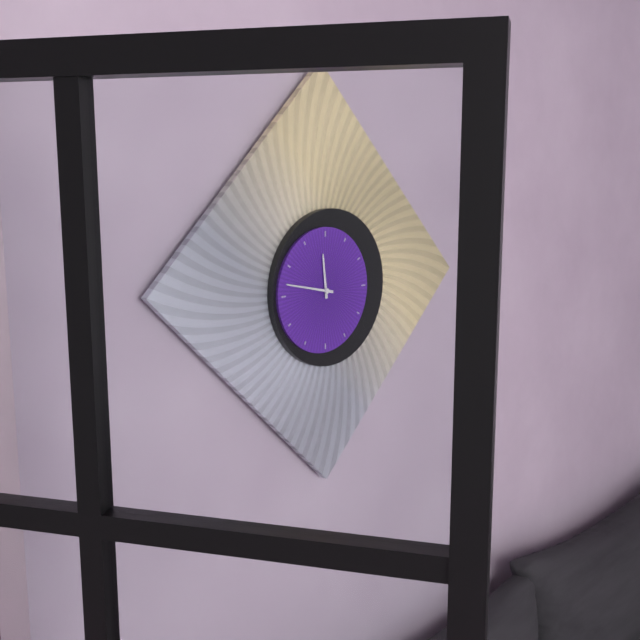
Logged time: 11:47
